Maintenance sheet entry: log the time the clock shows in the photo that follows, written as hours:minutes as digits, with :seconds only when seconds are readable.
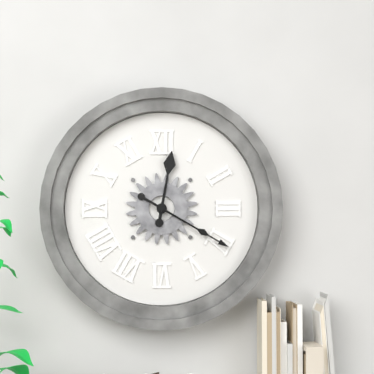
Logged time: 12:20
